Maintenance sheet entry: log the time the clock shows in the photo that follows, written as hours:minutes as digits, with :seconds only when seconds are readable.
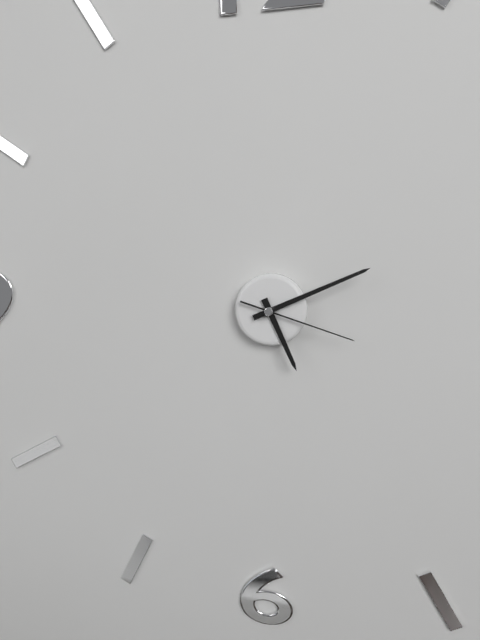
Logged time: 5:11:18
